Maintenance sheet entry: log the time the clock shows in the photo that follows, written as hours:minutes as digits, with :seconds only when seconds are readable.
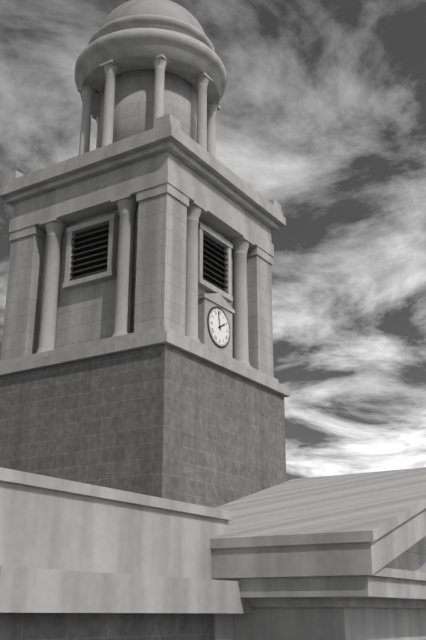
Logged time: 1:58
